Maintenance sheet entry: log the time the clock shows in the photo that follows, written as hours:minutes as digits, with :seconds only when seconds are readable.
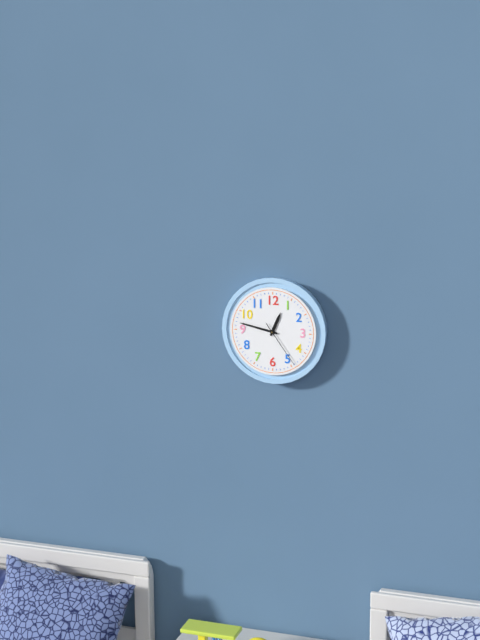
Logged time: 12:47
